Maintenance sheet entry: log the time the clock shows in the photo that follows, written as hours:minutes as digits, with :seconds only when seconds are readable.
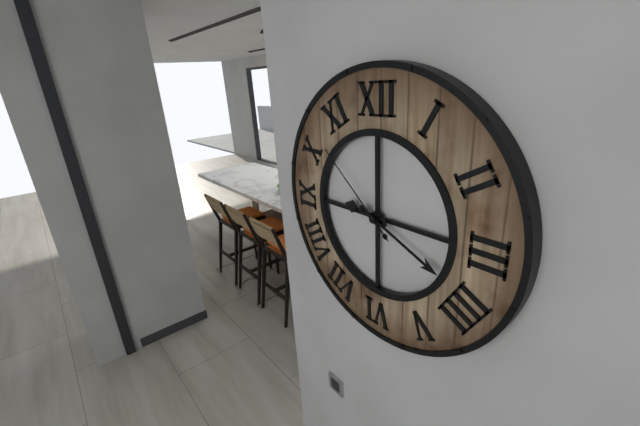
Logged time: 9:19:52
